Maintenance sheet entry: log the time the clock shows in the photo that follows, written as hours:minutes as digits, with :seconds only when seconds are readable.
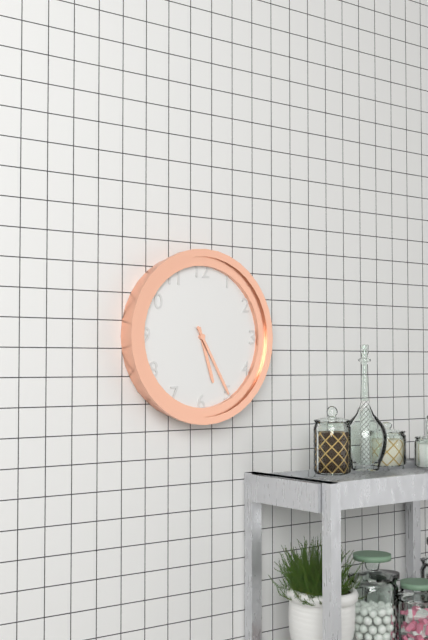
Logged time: 5:25
